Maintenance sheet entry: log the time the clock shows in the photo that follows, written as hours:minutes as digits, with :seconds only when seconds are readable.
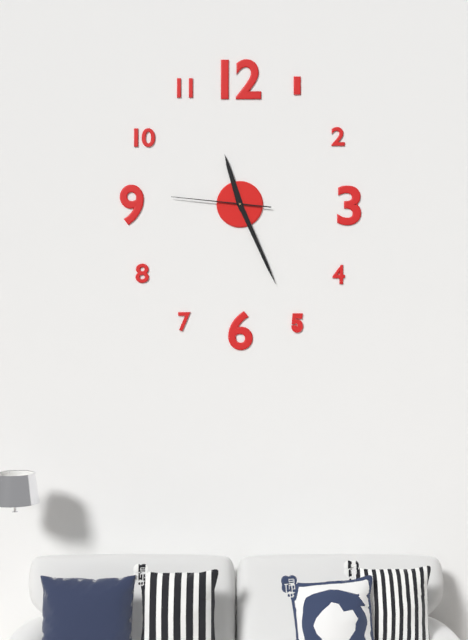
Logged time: 11:26:46
